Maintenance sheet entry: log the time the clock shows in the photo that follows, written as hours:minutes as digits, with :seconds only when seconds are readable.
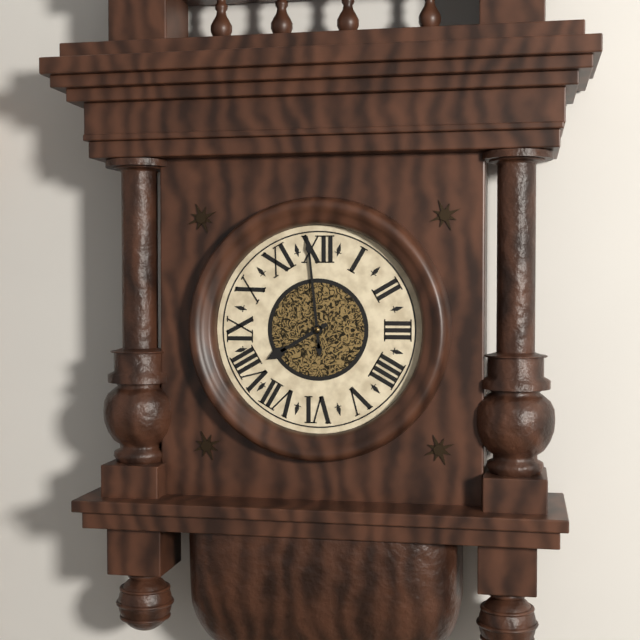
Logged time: 7:59
